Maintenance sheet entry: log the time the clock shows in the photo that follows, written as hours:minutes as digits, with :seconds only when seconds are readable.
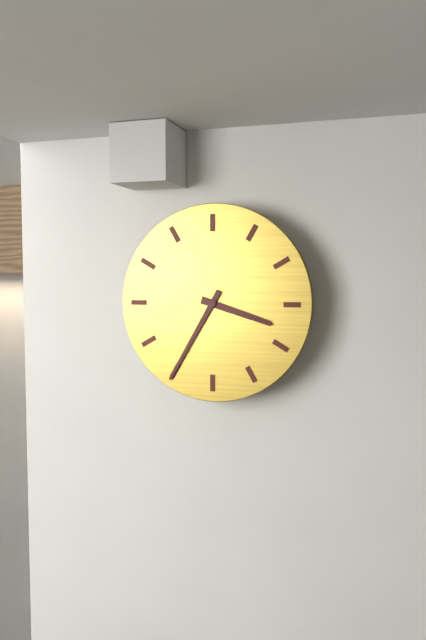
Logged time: 3:35
